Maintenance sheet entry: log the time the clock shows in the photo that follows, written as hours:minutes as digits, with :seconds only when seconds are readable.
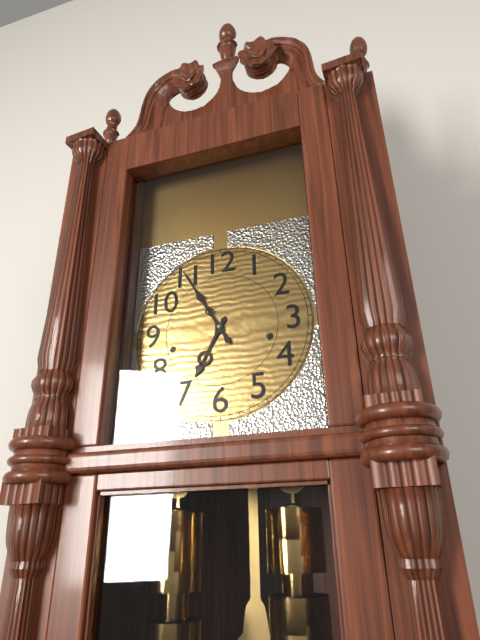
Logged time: 6:55
